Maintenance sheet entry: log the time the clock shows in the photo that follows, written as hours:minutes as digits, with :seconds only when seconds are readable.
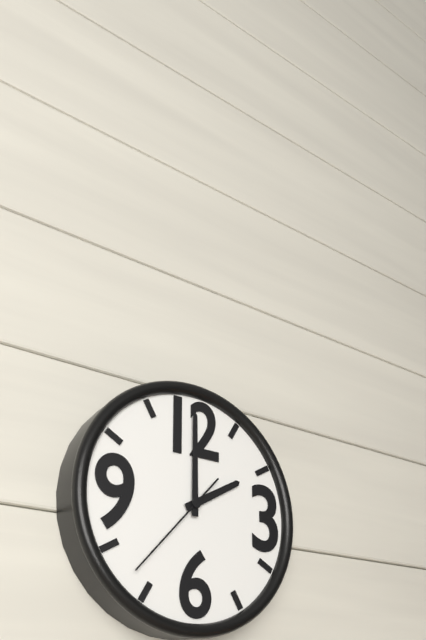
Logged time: 2:00:37
